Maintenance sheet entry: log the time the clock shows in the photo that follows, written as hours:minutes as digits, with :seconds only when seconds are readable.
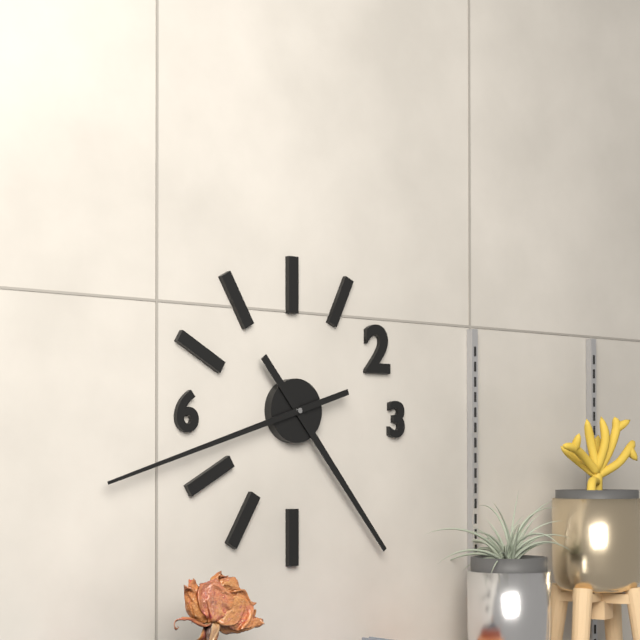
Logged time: 4:42
